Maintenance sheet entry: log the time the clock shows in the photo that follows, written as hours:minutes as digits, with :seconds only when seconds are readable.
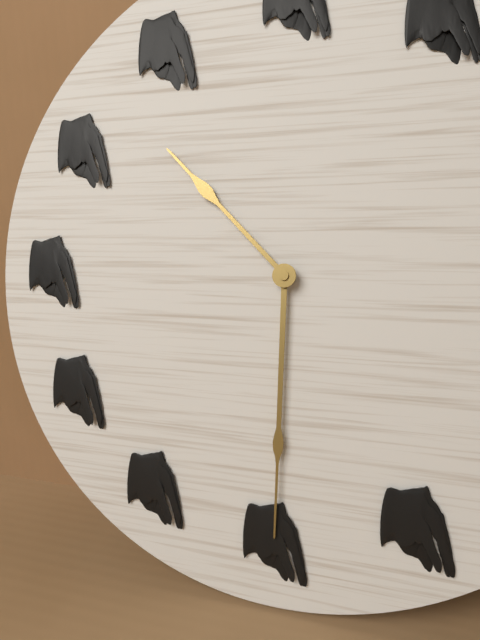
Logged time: 10:30
